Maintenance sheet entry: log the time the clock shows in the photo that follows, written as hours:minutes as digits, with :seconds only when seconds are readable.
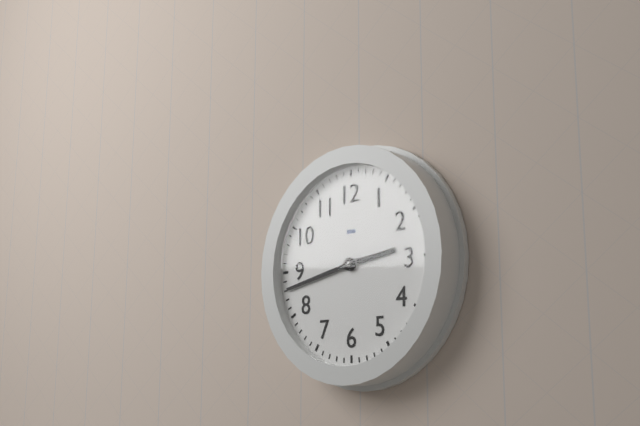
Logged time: 2:43
